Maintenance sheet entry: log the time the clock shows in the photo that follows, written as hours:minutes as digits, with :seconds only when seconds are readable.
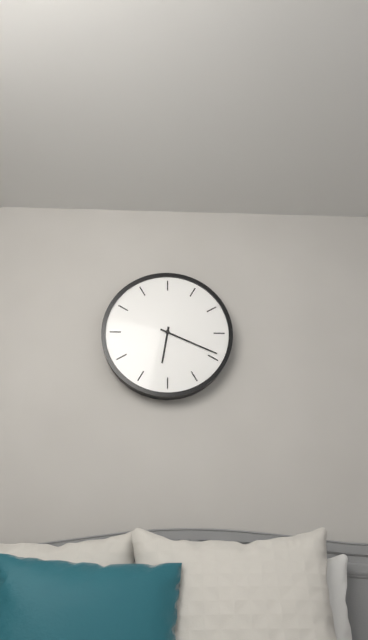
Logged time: 6:19
